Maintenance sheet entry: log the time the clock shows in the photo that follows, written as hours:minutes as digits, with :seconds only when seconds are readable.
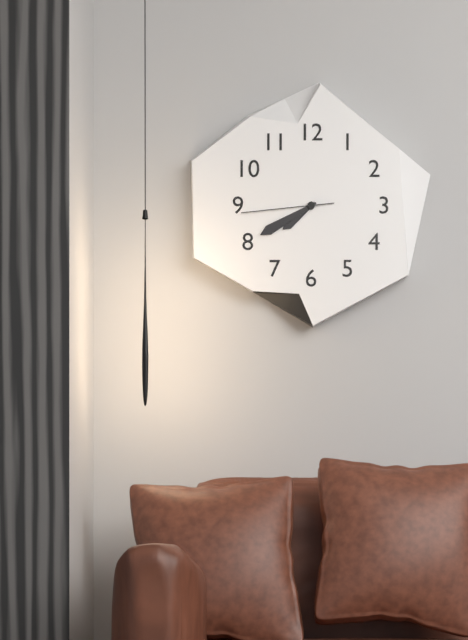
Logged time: 7:40:44
